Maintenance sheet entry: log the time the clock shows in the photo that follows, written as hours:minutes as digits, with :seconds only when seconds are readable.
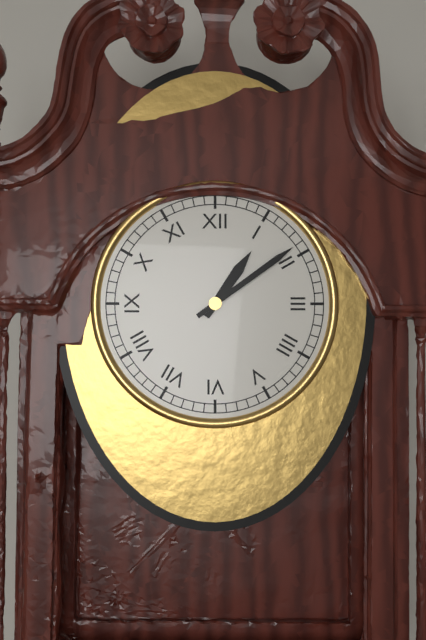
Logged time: 1:09
